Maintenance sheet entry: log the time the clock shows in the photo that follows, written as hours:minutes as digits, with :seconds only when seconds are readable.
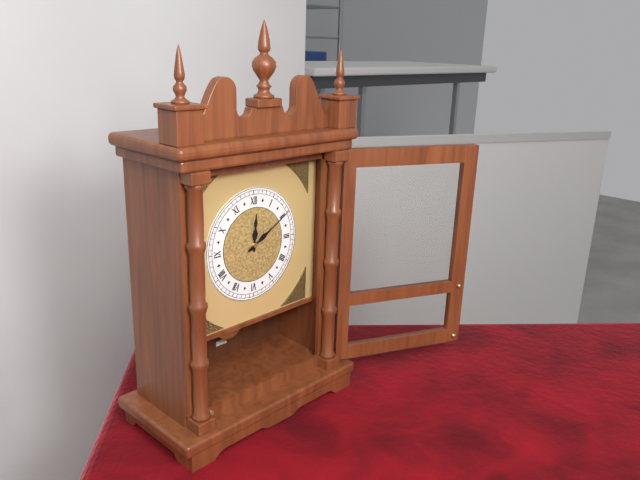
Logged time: 12:10
